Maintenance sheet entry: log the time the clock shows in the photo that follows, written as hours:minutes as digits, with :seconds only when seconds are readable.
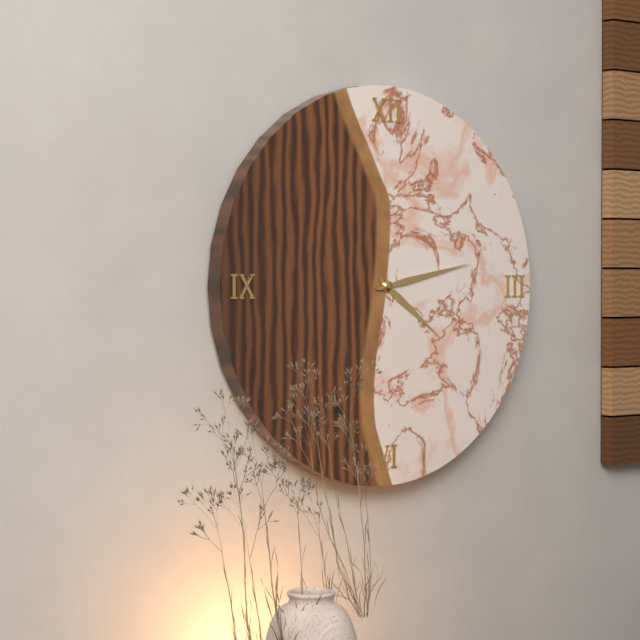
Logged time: 4:13
